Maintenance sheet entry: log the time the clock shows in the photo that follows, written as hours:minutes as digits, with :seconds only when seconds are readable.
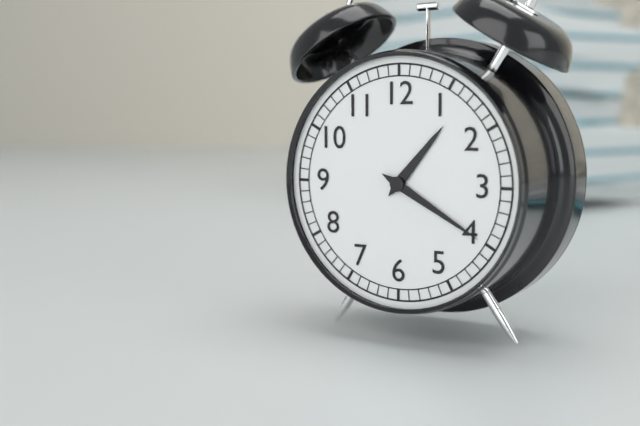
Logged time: 1:20
